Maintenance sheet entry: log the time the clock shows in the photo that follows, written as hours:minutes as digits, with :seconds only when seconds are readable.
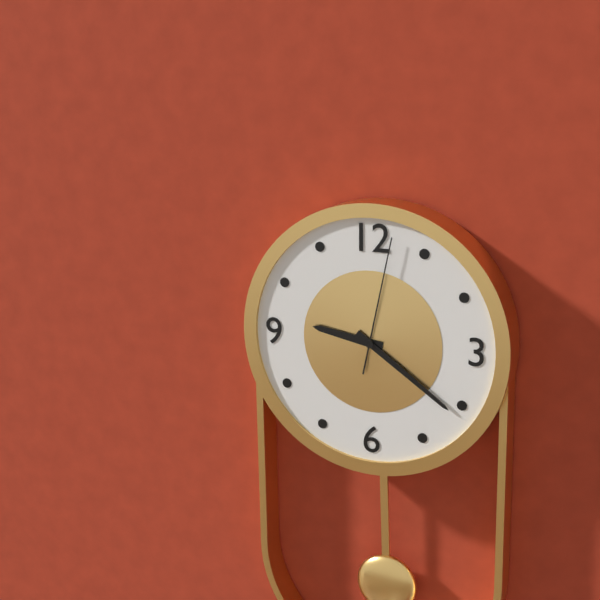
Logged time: 9:21:02
